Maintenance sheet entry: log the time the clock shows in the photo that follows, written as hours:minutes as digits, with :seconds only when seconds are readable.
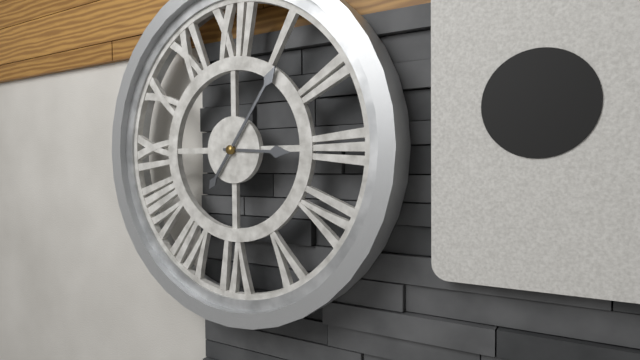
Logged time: 3:06
